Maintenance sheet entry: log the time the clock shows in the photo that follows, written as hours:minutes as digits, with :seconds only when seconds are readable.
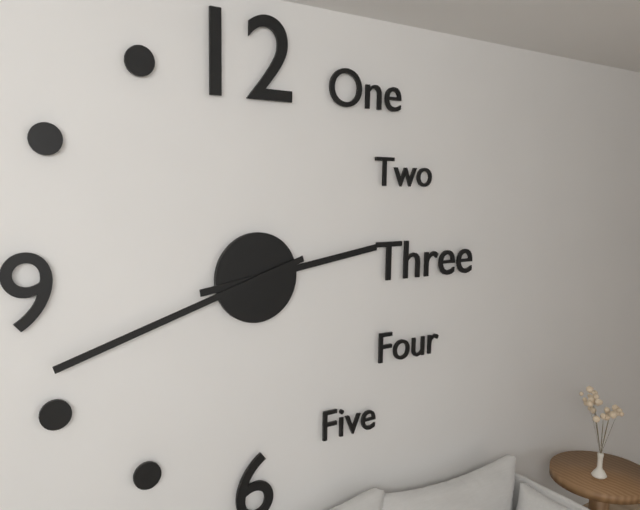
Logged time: 2:42
